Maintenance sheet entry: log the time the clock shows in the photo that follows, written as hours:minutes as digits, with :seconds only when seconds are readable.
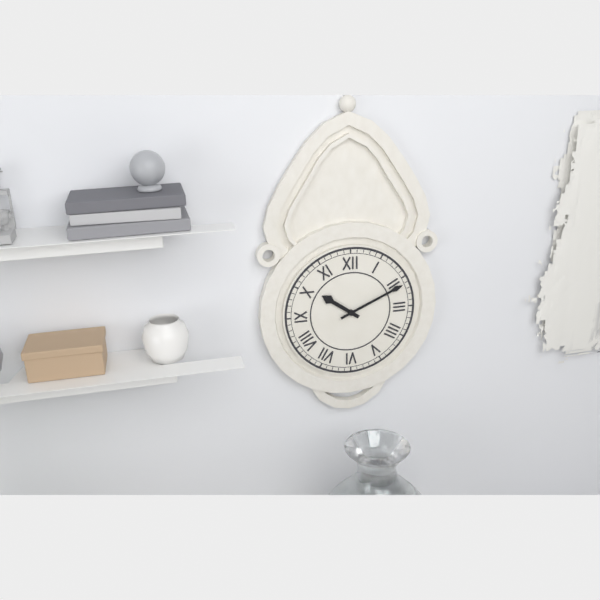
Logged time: 10:11
